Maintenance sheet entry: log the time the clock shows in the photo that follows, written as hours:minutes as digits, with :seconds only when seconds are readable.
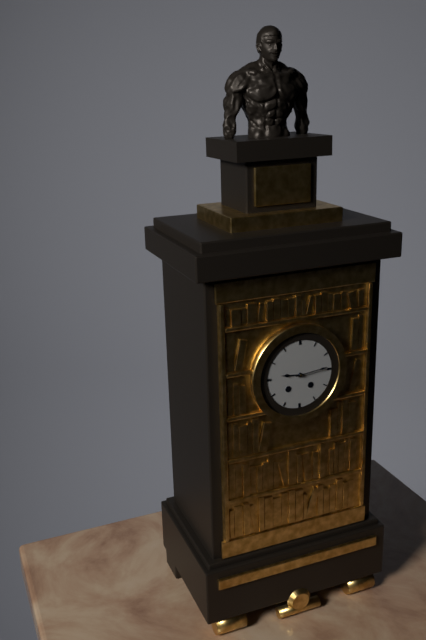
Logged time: 9:14
